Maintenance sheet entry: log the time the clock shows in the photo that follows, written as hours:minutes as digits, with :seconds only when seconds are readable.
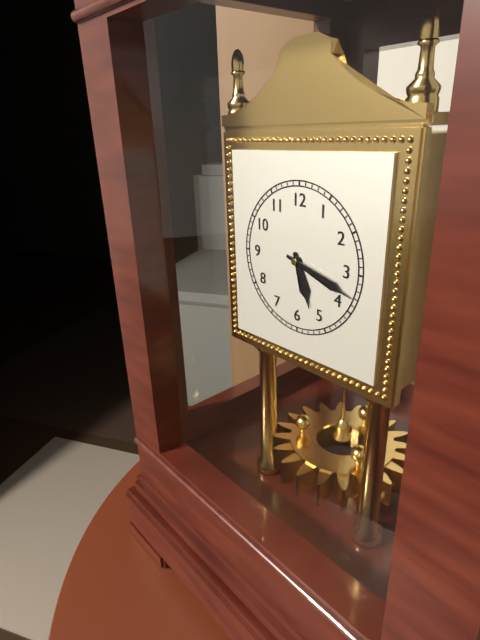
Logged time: 5:18
